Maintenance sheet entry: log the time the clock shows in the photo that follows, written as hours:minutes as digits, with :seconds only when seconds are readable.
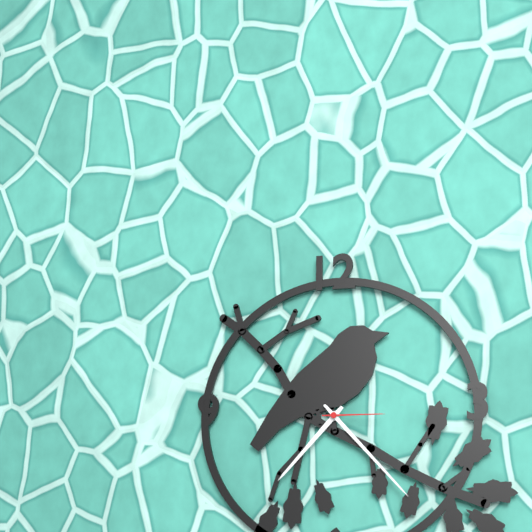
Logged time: 7:23:15
